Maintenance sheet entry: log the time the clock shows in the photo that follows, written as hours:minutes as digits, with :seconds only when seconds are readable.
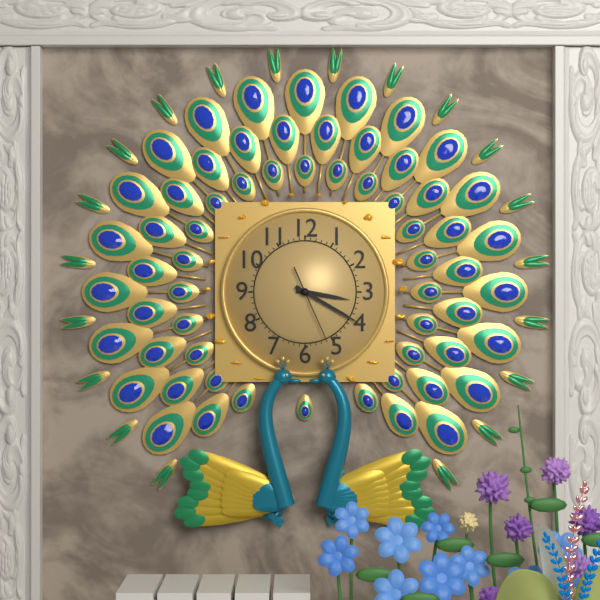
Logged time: 3:20:26
